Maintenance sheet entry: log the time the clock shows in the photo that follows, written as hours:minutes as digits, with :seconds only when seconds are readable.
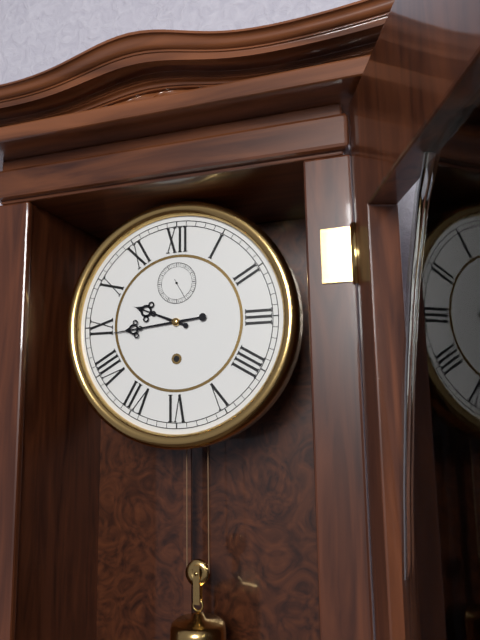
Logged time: 9:44
